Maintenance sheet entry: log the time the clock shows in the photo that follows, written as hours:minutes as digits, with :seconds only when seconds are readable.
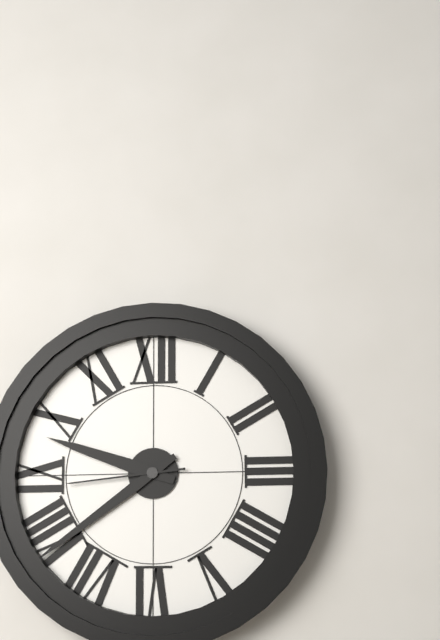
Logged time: 9:39:44
